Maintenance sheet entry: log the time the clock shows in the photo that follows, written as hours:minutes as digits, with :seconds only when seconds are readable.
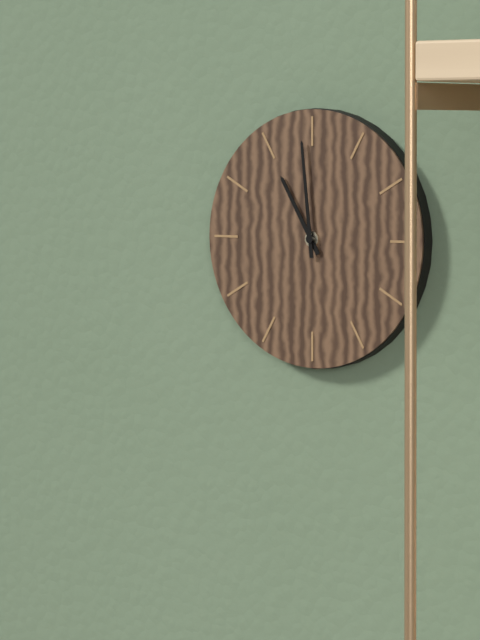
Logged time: 10:59
